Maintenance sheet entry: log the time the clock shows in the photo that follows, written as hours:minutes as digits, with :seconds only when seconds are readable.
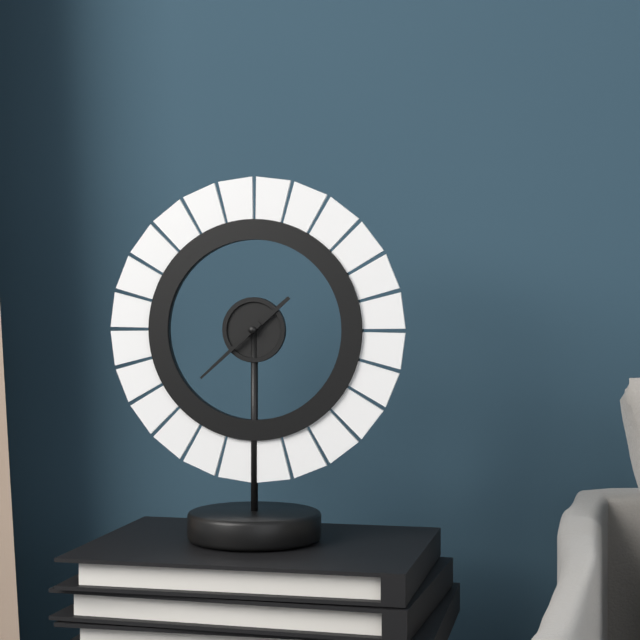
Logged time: 1:38
